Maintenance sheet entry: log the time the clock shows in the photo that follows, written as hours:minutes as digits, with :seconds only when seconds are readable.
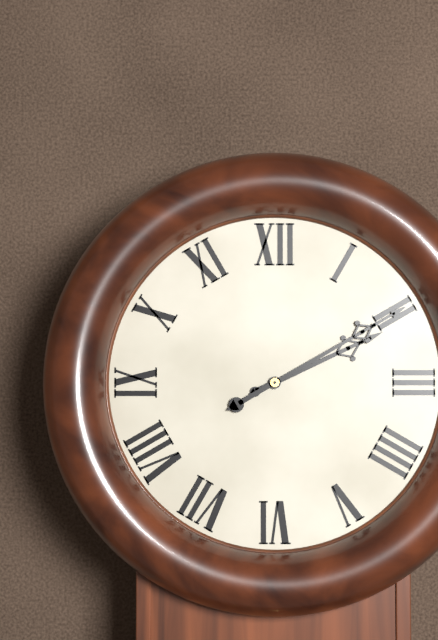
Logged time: 2:10
